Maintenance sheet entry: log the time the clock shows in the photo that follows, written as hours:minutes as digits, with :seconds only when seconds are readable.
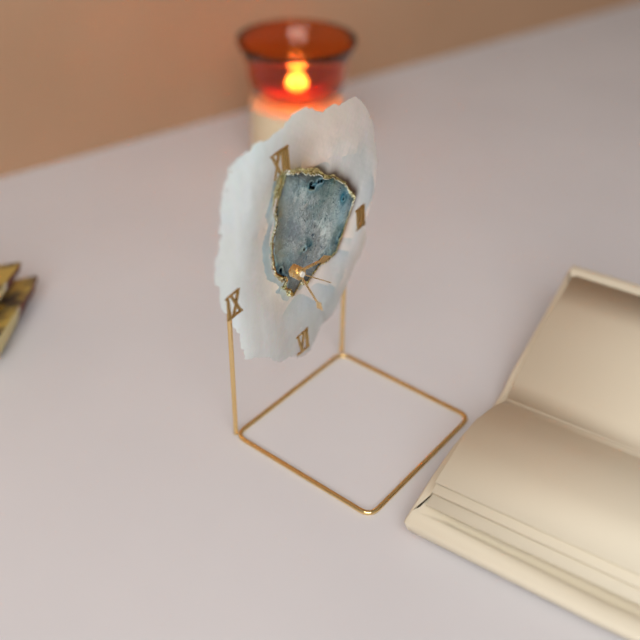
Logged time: 3:26
